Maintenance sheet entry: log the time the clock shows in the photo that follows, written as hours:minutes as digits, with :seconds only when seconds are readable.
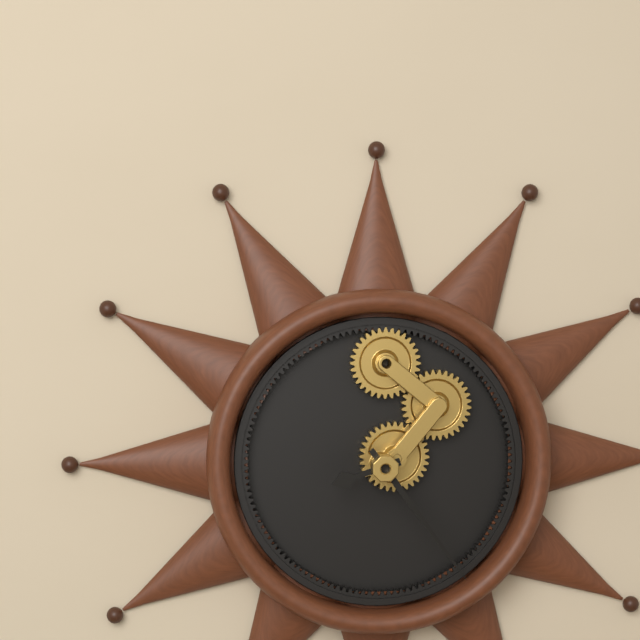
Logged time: 8:24
